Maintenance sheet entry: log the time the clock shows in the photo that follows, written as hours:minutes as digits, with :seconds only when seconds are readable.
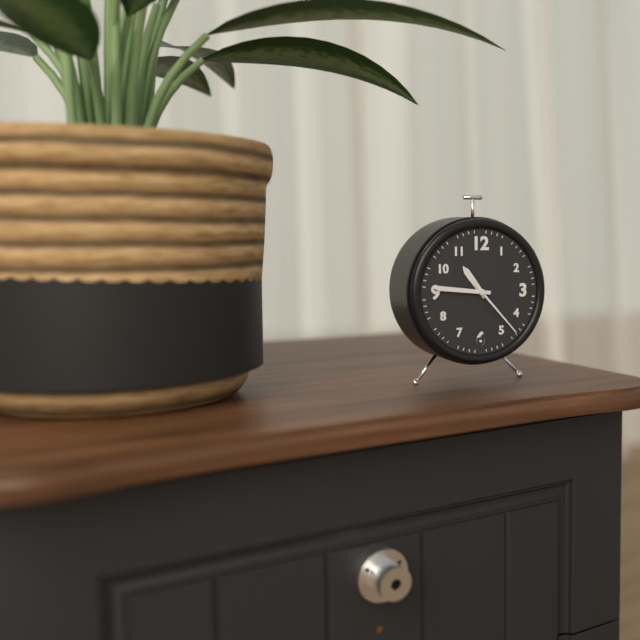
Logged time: 10:46:23
